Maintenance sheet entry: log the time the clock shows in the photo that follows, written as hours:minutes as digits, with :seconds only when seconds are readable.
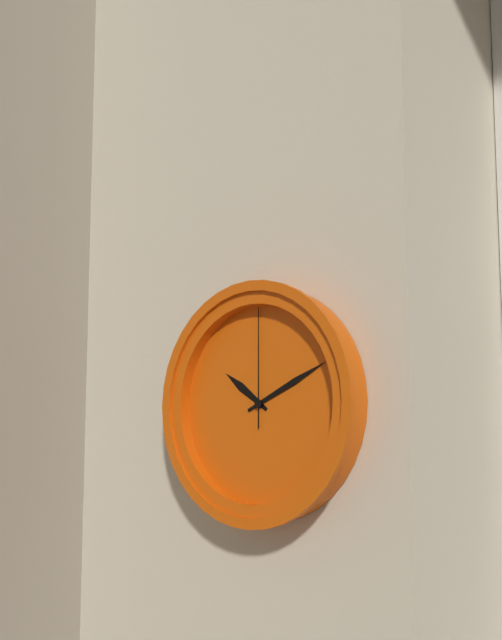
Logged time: 10:11:00
